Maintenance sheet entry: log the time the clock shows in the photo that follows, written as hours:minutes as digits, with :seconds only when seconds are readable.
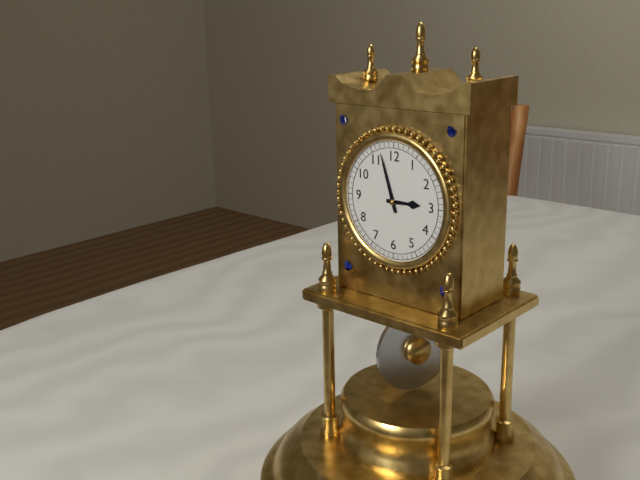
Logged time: 2:57
